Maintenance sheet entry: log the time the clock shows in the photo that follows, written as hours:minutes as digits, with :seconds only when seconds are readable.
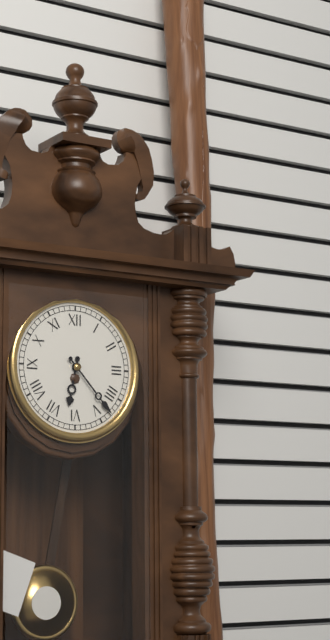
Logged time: 6:23
